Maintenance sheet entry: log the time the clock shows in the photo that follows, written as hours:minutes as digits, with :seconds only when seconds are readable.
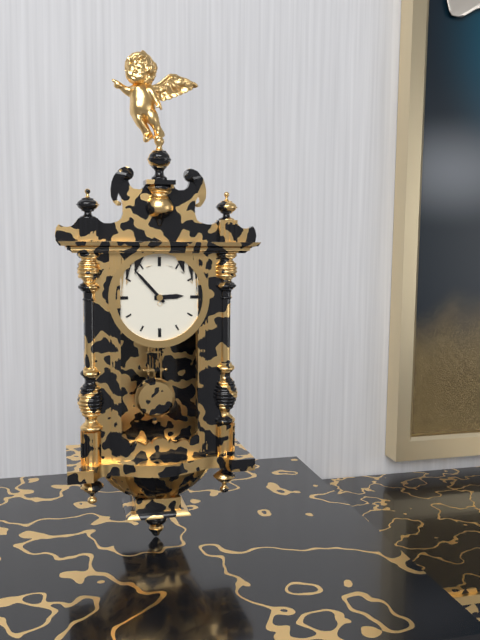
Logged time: 2:53
